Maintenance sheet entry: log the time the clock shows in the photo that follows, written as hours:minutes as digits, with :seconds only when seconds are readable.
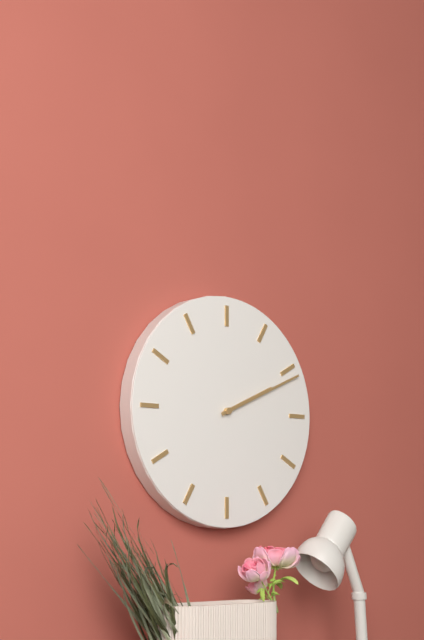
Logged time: 2:11
